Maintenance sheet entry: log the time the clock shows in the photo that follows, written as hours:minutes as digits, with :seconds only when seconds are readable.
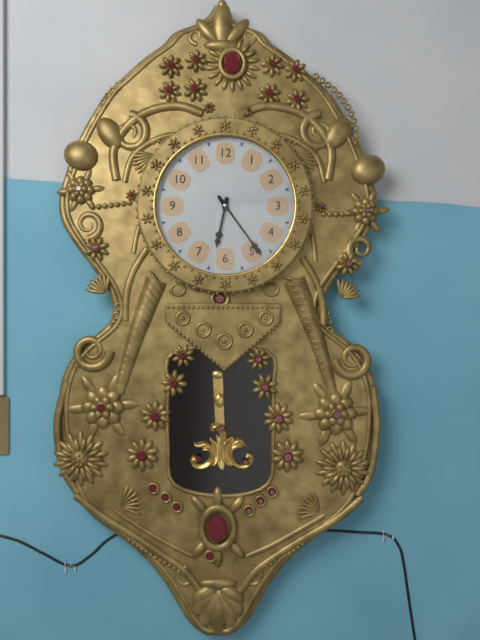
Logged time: 6:24
